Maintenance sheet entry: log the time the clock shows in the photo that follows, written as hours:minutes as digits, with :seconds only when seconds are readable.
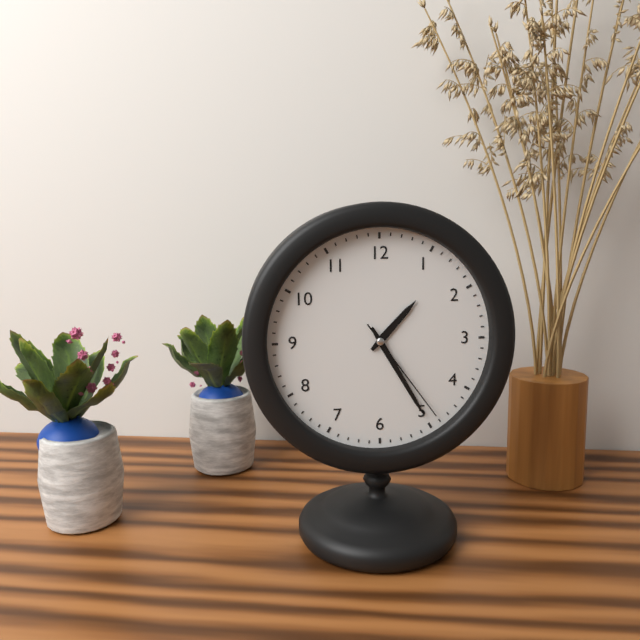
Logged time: 1:25:24
